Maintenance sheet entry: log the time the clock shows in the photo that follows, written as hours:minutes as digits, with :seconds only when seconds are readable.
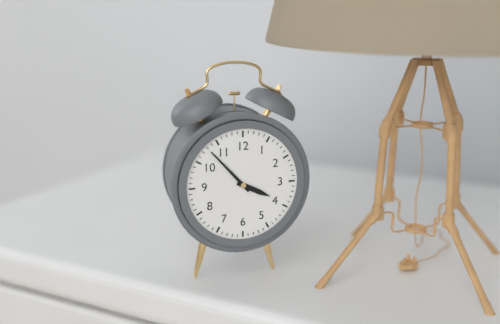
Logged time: 3:53
